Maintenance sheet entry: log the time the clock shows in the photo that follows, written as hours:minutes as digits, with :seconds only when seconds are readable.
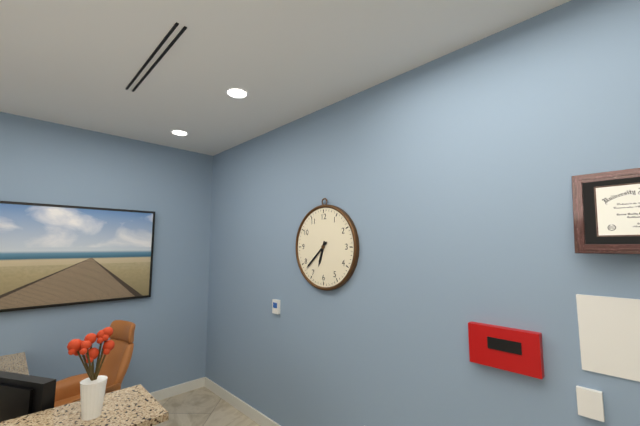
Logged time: 6:38
